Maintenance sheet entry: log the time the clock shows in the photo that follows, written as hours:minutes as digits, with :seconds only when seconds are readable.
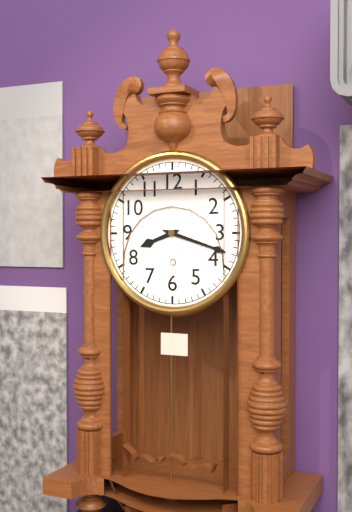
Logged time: 8:18
